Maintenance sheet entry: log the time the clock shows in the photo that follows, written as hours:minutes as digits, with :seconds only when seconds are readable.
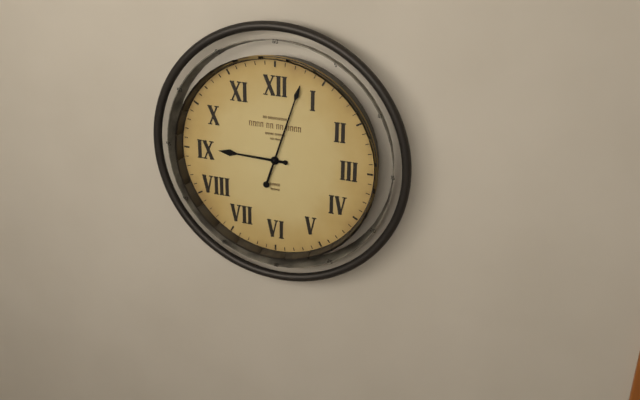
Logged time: 9:03
